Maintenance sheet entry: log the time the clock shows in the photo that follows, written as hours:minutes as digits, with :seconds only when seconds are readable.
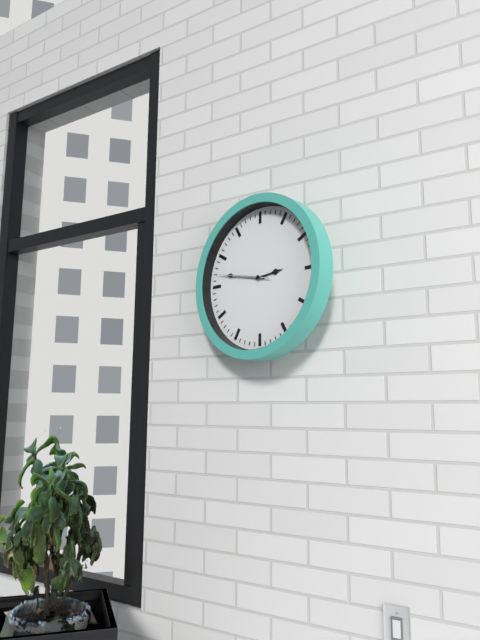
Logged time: 2:47:47
